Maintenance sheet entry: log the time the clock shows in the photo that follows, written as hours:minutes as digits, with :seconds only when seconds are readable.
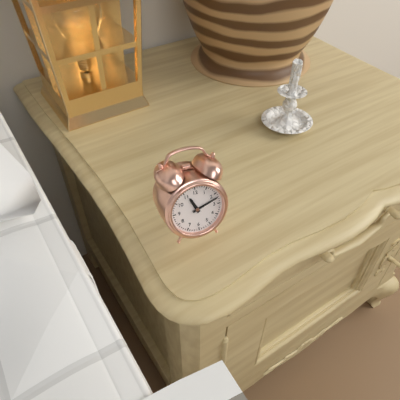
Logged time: 11:12
